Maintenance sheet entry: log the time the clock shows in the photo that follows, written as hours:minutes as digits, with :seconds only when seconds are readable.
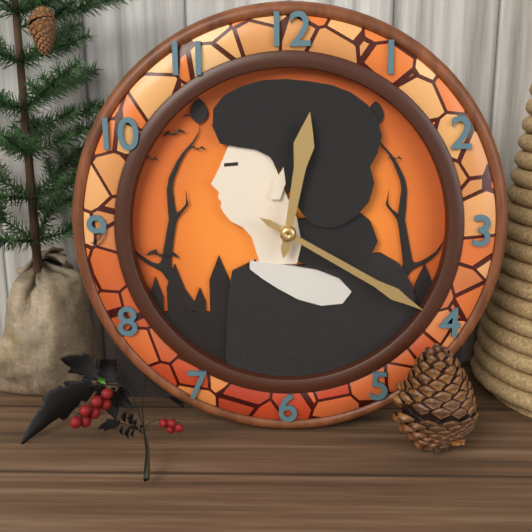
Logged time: 12:20
